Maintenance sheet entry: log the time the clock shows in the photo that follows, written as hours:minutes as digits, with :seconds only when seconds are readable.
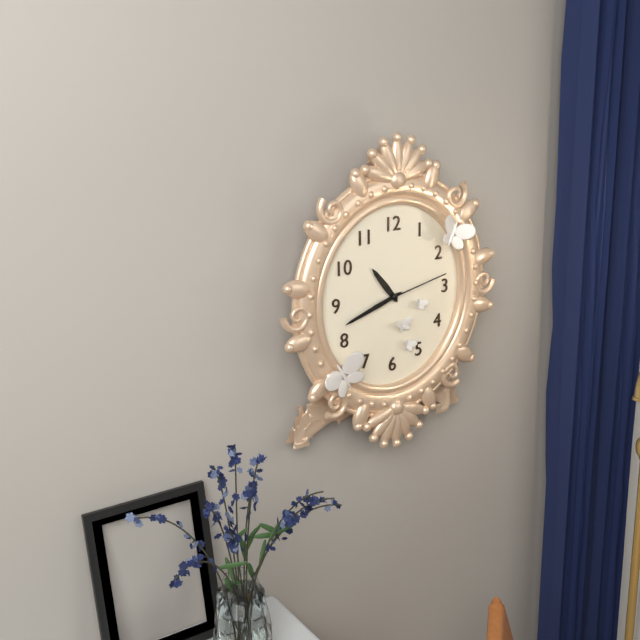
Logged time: 10:42:13
